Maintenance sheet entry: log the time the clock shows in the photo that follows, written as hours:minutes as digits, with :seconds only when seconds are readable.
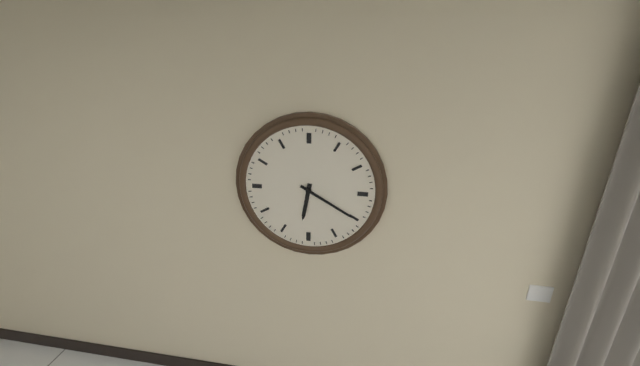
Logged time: 6:20
